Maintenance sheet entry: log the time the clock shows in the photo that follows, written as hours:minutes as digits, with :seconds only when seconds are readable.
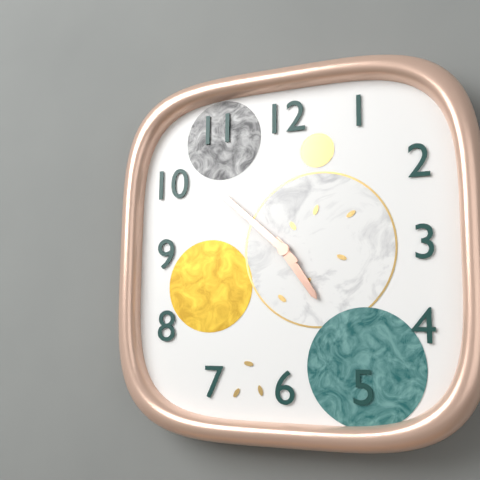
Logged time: 4:52
